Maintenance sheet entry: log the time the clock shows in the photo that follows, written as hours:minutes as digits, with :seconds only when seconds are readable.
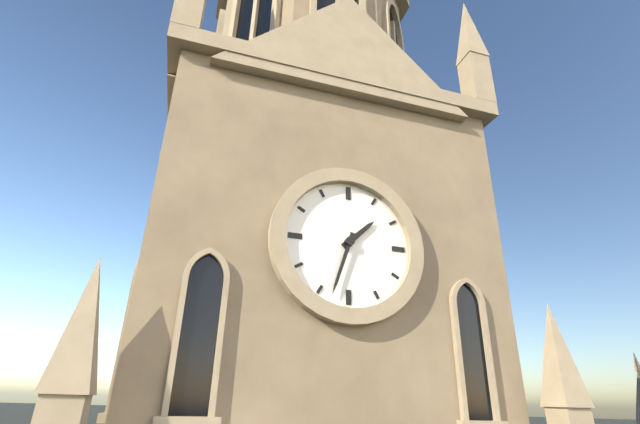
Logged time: 1:33
